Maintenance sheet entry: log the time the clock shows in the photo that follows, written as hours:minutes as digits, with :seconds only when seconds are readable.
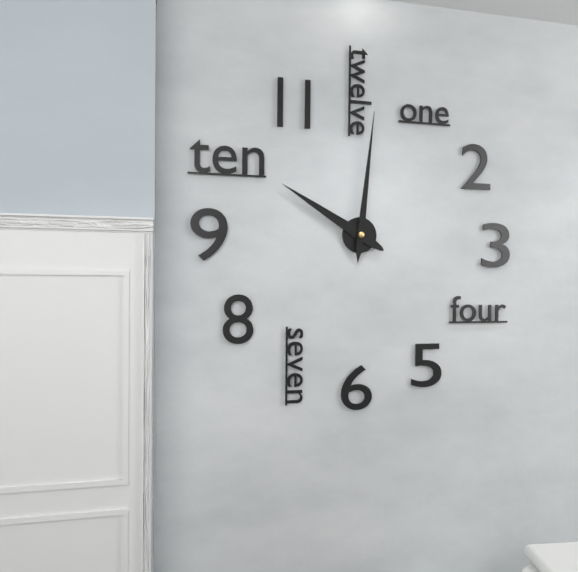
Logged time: 10:01
